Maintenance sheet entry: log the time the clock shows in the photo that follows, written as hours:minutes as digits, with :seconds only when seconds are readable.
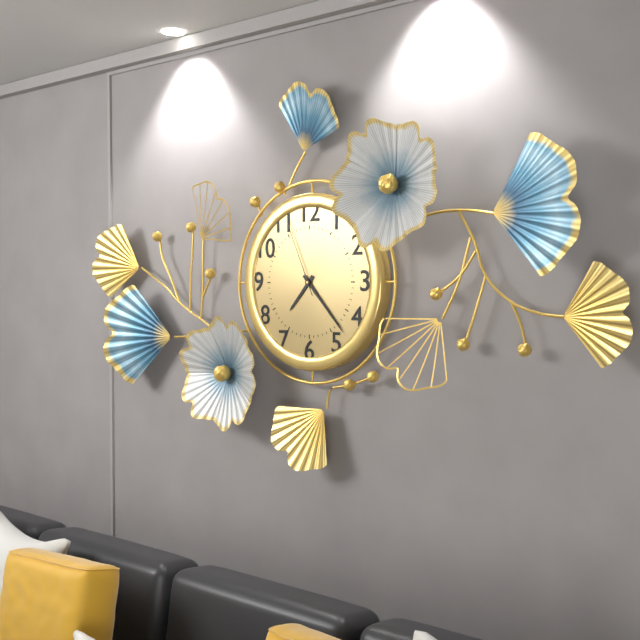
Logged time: 7:23:56
